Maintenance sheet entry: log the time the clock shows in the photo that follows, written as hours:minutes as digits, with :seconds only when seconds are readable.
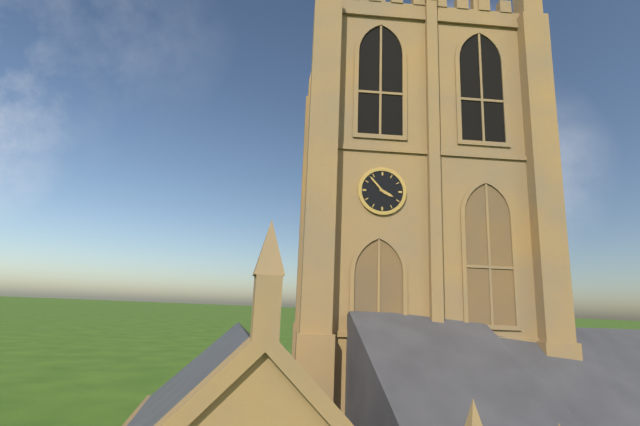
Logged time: 3:53
